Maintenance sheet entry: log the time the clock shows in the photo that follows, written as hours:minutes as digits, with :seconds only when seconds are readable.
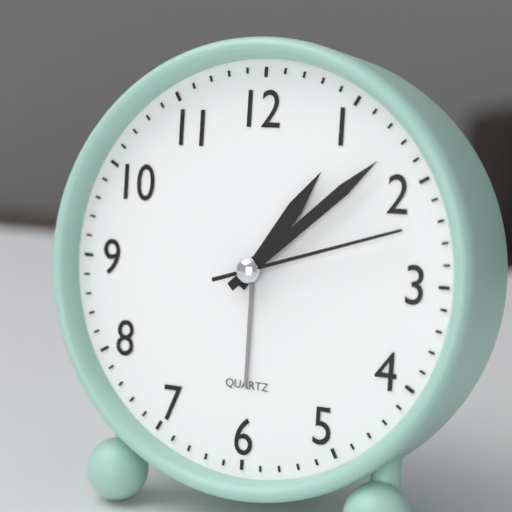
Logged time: 1:08:12
